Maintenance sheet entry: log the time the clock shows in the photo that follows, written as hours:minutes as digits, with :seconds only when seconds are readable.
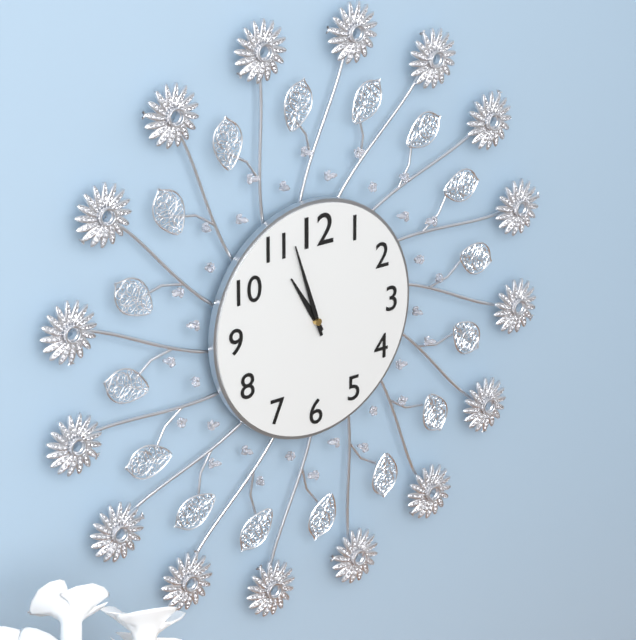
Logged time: 10:57
